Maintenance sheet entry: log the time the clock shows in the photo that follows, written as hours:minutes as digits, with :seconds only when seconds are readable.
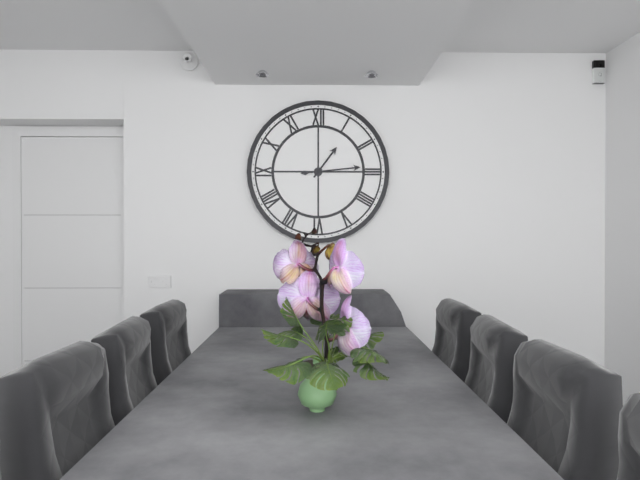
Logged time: 1:14
